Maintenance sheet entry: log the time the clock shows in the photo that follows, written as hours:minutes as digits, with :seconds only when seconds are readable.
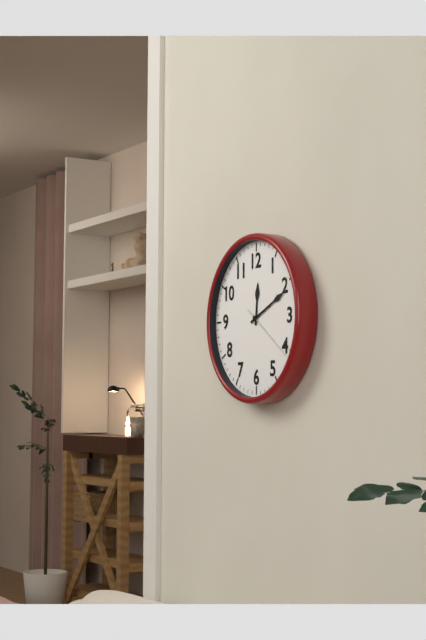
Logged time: 12:11:21
